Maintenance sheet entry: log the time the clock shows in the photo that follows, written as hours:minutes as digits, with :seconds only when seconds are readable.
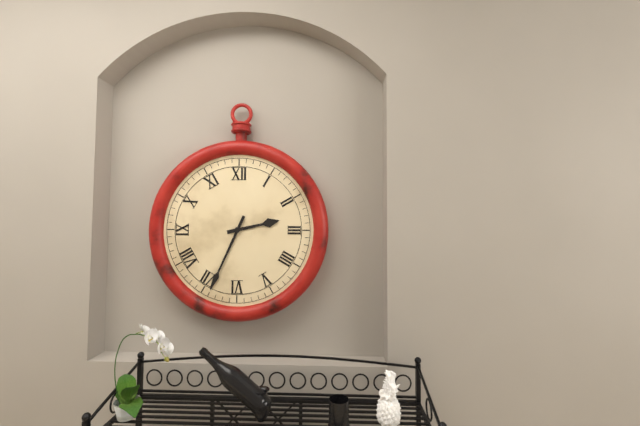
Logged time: 2:34
